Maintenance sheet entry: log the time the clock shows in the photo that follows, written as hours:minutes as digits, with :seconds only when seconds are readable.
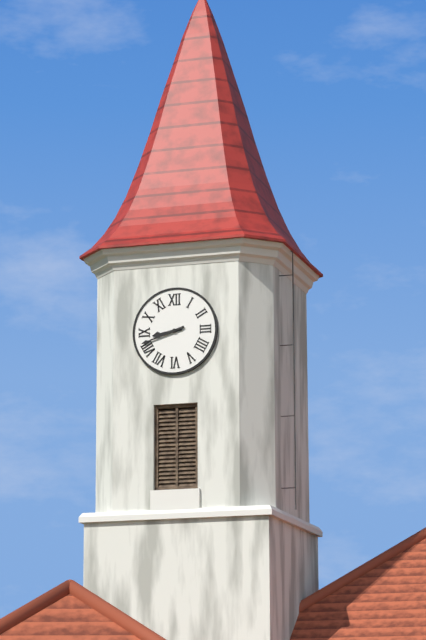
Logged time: 8:42
